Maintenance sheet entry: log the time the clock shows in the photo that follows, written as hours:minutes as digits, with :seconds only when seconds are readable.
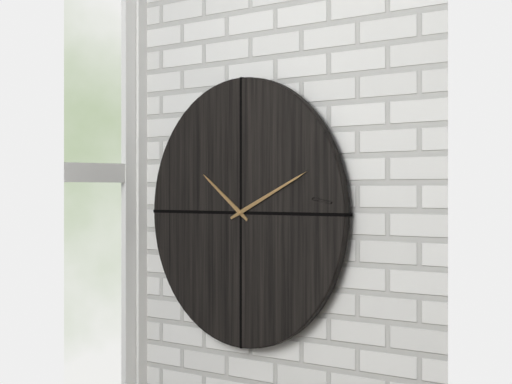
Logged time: 10:11
